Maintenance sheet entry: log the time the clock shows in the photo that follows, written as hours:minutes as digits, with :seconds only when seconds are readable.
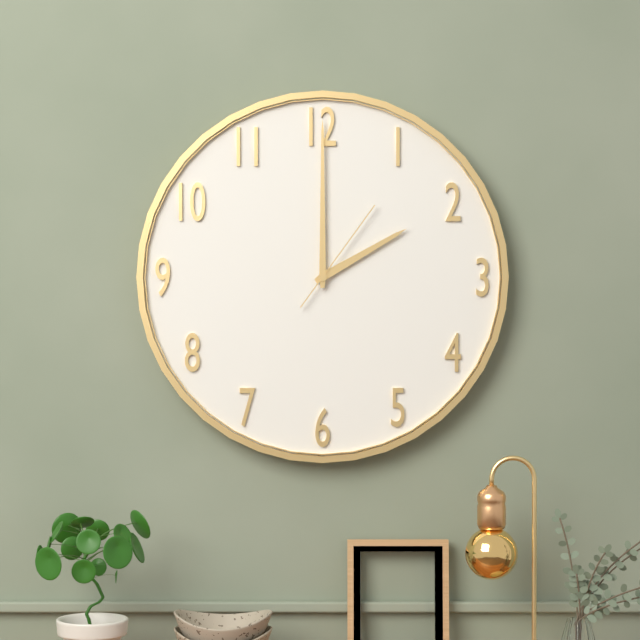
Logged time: 2:00:06
